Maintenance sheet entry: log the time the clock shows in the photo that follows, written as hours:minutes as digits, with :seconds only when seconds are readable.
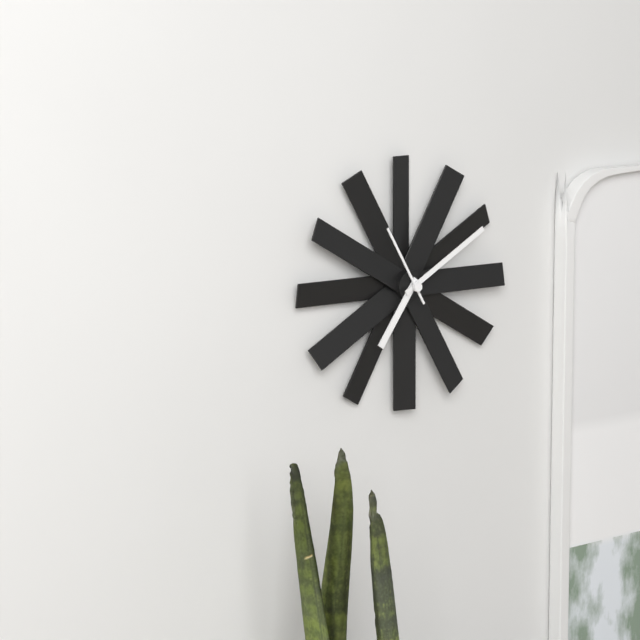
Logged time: 7:10:55
